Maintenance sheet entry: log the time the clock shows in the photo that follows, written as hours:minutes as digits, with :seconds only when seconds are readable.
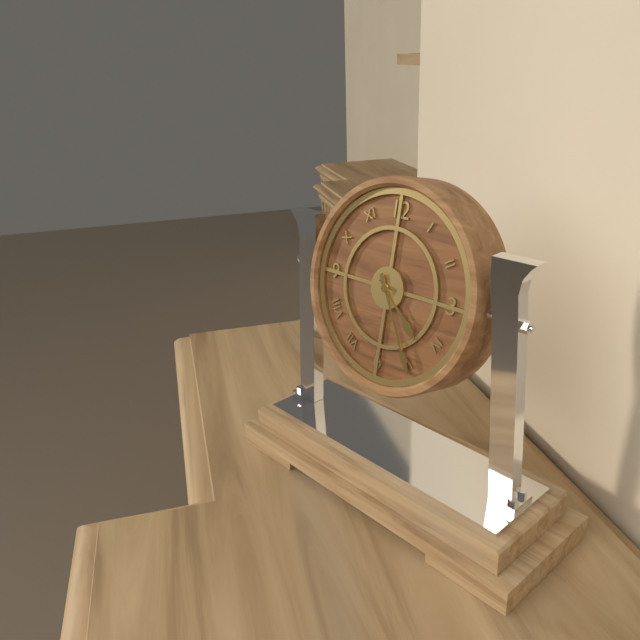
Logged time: 4:25
